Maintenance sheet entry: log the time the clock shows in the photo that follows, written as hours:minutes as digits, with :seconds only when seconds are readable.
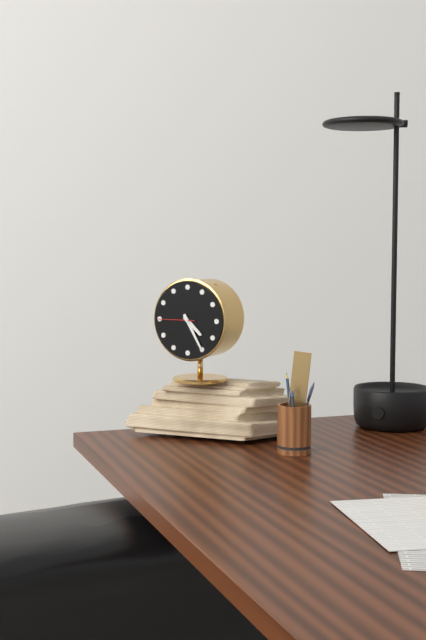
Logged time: 4:25
